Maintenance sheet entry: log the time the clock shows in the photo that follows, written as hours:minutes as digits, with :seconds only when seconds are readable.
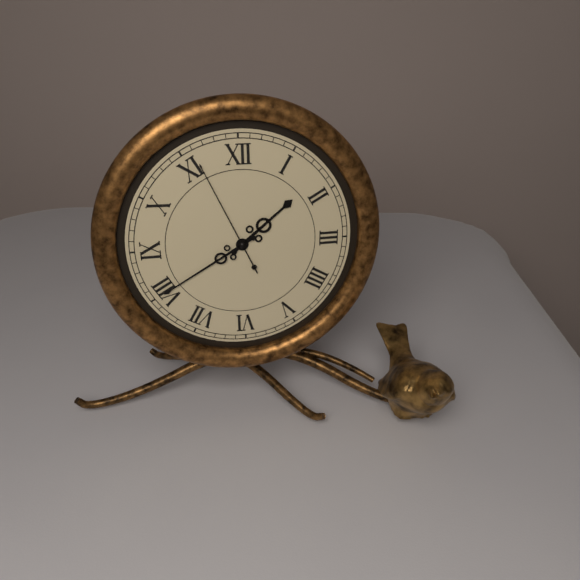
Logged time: 1:40:56
